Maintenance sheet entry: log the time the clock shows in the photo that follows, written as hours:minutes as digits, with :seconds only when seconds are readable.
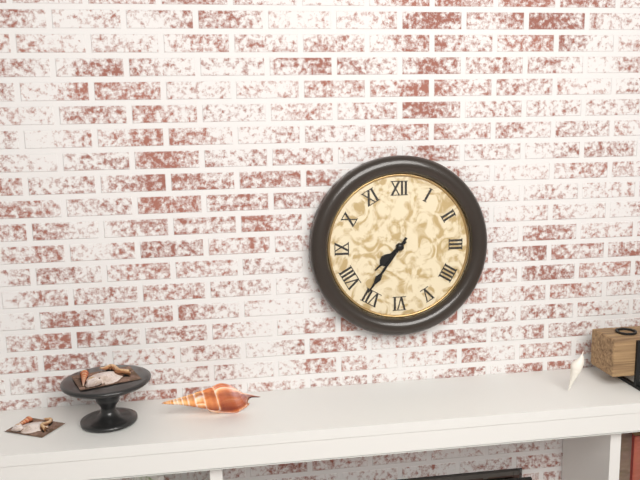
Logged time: 7:36
